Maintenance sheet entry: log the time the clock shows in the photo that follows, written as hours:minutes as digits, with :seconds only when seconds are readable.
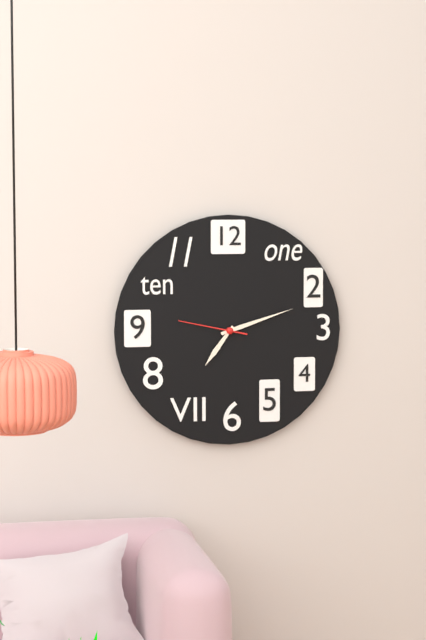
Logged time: 7:12:47
